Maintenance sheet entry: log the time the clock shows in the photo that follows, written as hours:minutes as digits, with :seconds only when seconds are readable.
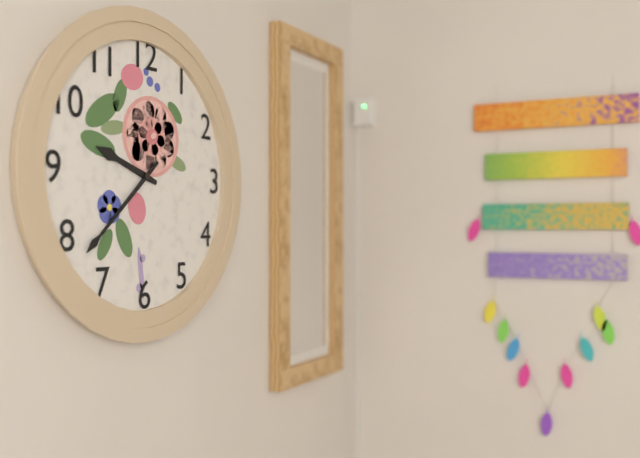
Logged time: 9:38
